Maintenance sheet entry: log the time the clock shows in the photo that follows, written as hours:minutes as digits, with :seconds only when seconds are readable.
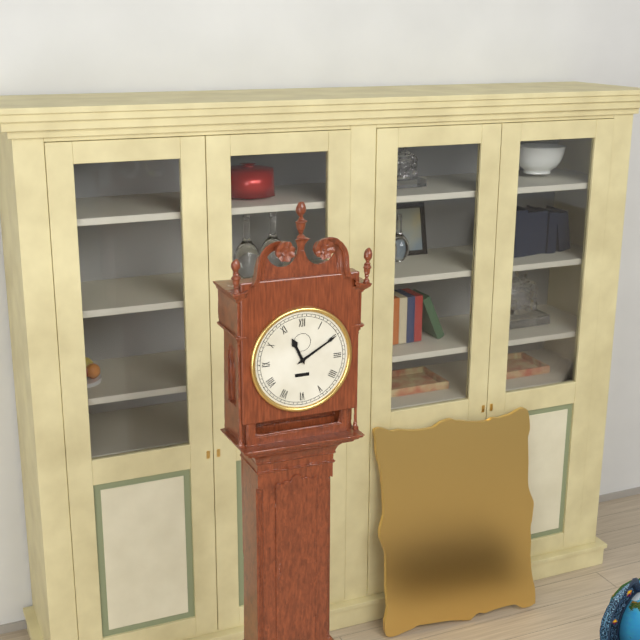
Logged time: 11:10
